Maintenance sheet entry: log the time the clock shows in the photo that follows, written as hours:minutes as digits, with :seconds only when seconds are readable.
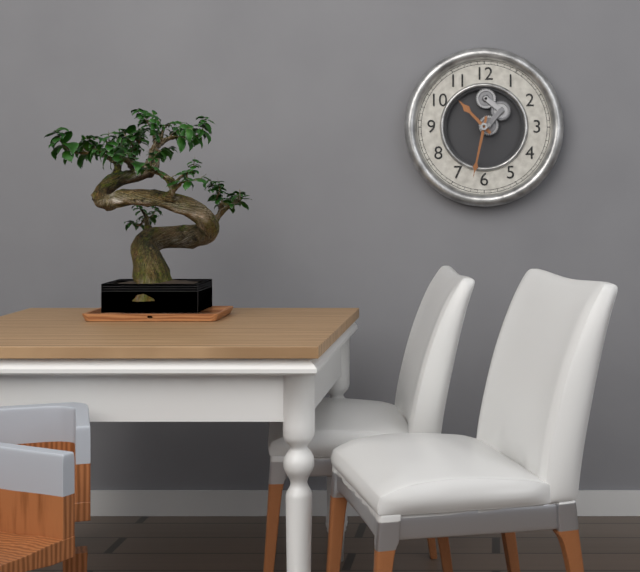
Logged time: 10:32
